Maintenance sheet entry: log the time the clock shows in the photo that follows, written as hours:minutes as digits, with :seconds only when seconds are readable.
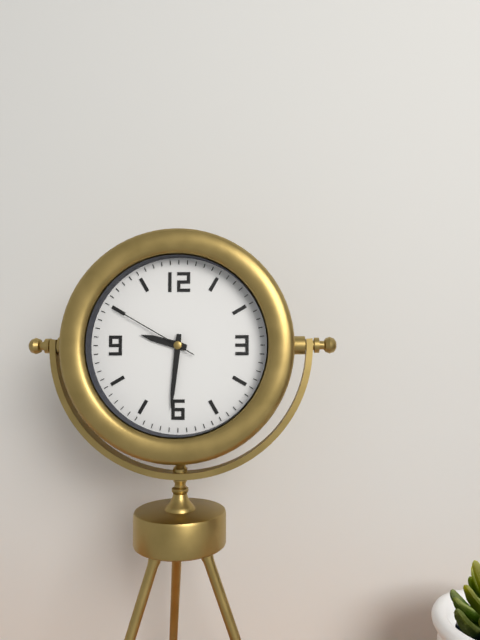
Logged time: 9:31:50
